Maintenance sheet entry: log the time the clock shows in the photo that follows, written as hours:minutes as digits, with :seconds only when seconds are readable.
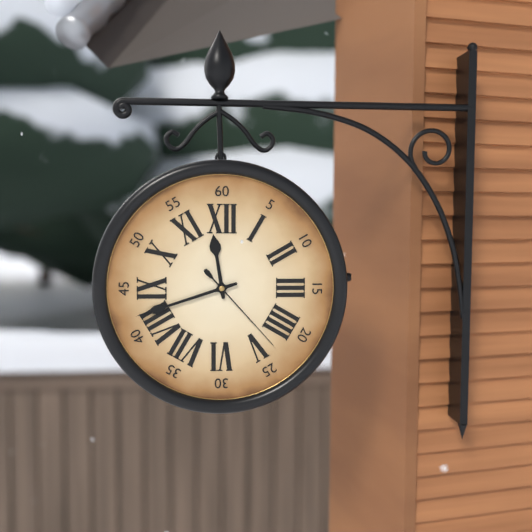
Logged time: 11:42:23
